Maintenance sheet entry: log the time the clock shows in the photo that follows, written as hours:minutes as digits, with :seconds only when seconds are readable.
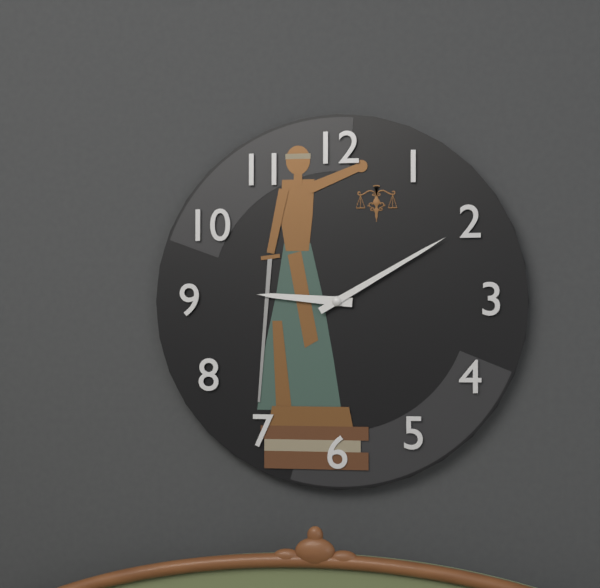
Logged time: 9:10
